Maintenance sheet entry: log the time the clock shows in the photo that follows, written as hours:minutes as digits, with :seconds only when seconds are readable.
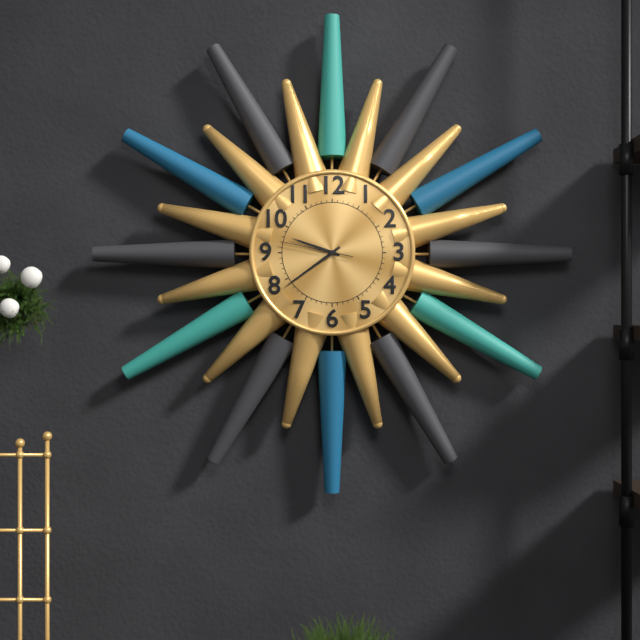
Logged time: 9:39:47
